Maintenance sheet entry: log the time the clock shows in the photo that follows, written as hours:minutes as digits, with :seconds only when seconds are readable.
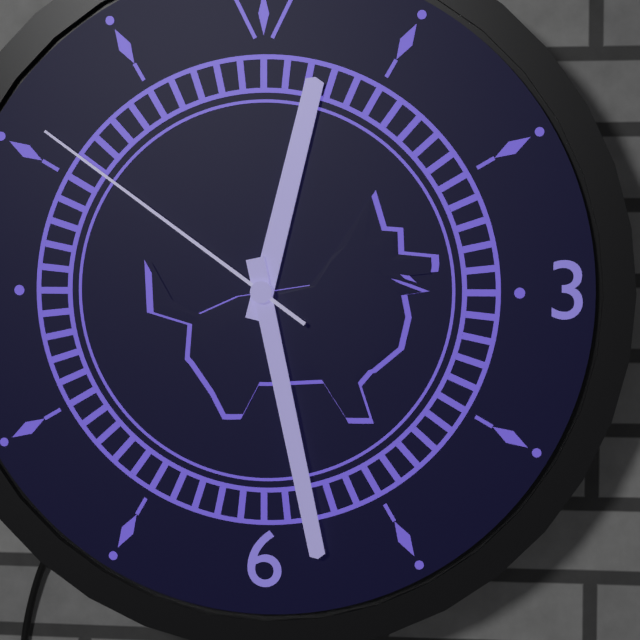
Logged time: 12:28:51
